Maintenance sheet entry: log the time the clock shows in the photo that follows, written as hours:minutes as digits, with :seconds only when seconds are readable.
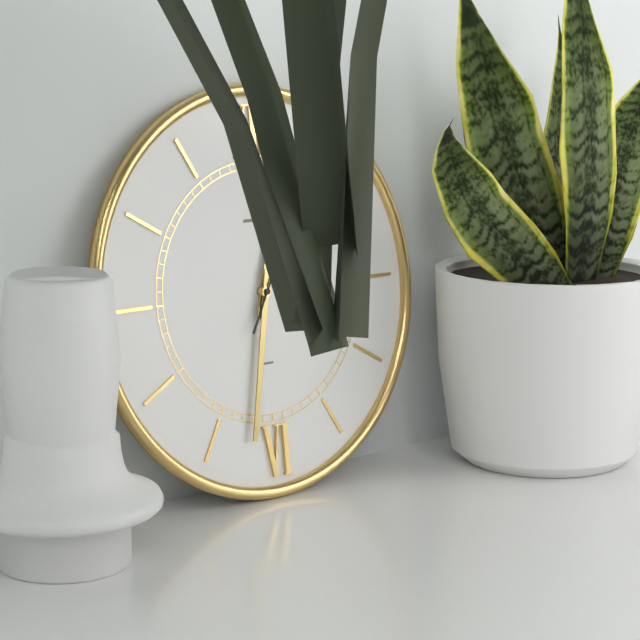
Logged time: 12:32:05
